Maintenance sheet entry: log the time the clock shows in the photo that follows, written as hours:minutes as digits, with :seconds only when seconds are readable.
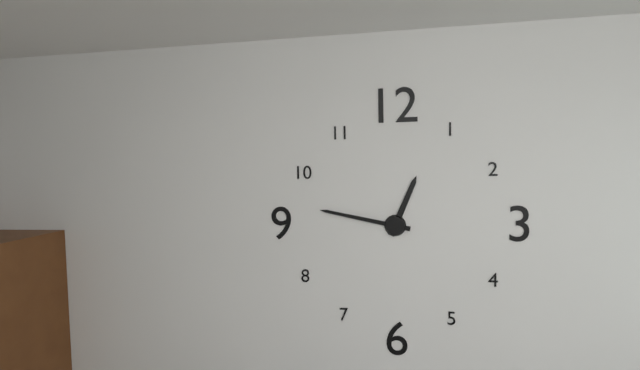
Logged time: 12:47
